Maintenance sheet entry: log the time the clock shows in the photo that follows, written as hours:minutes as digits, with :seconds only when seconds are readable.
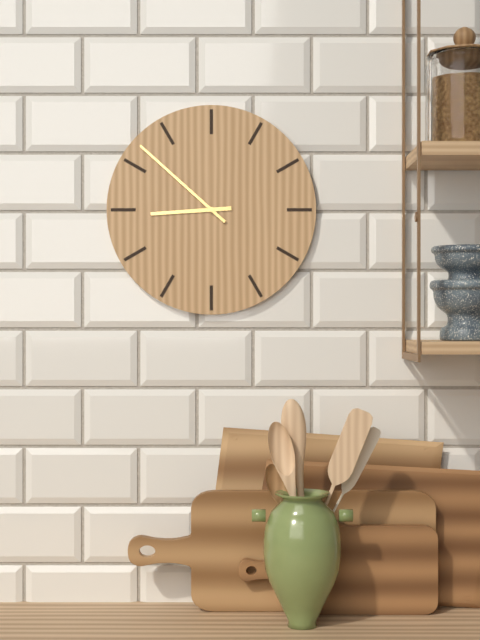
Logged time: 8:52
